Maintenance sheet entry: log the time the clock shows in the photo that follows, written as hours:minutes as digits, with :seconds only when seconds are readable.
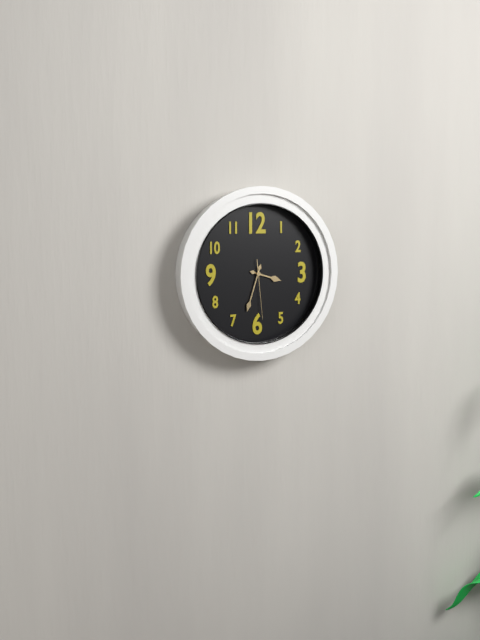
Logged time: 3:33:29
